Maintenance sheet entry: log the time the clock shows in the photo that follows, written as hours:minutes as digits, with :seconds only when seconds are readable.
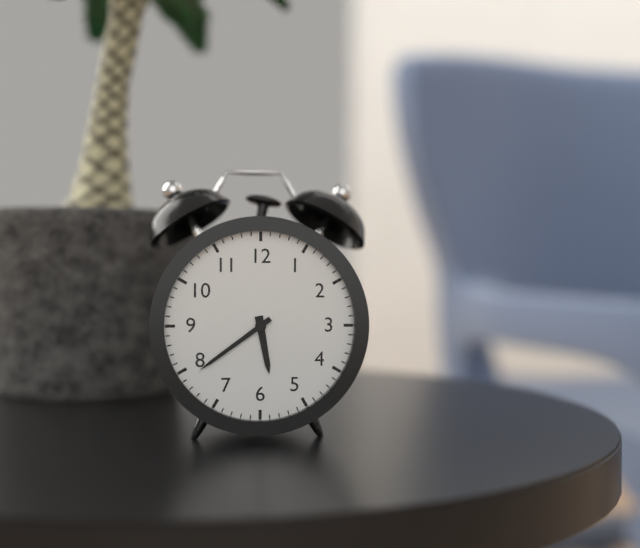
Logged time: 5:39
